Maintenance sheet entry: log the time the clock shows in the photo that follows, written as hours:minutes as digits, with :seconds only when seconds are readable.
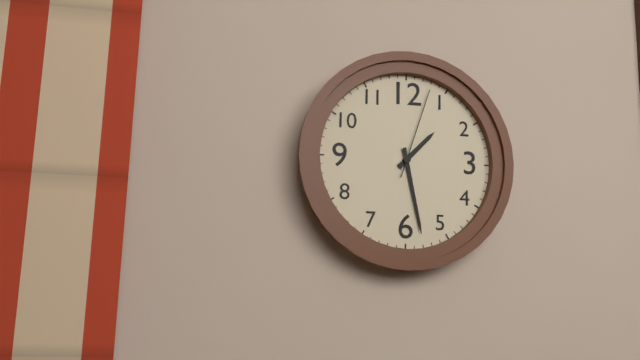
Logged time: 1:28:03
